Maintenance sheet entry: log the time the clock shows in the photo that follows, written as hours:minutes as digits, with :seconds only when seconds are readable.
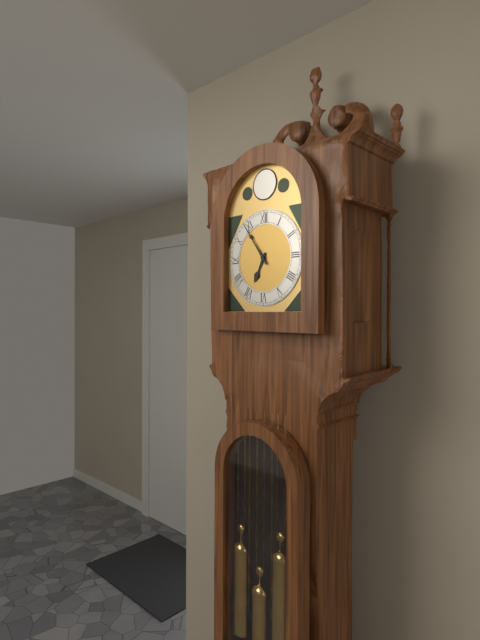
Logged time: 6:54
